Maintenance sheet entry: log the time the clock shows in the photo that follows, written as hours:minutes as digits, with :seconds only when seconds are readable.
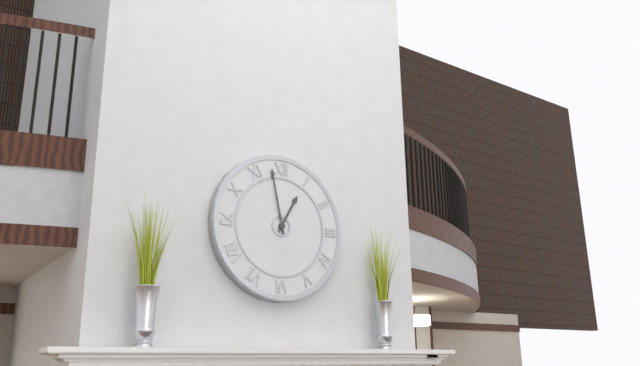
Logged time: 12:58
